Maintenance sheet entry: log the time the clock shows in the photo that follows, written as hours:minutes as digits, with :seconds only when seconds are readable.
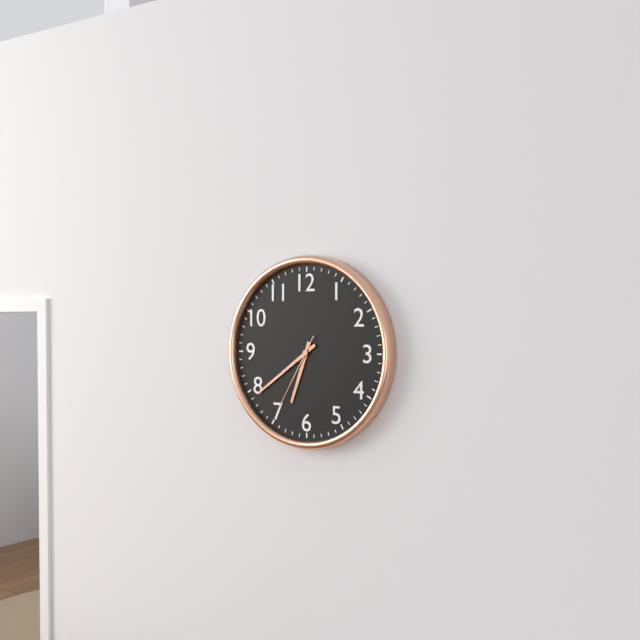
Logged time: 6:39:35
